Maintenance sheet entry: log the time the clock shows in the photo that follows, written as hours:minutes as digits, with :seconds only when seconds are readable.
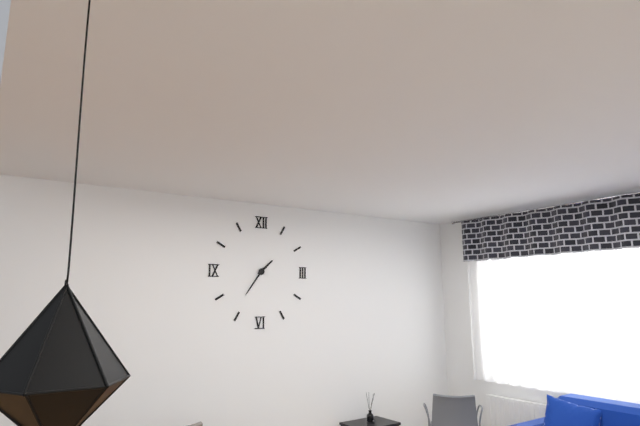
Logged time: 1:36
